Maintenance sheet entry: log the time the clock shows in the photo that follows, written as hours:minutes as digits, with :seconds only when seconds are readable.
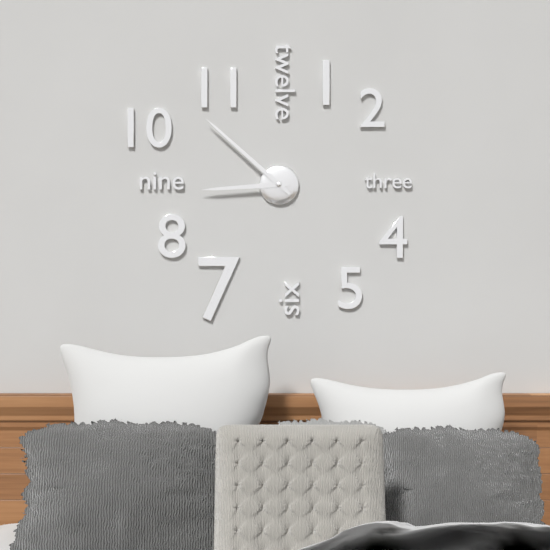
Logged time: 8:52
